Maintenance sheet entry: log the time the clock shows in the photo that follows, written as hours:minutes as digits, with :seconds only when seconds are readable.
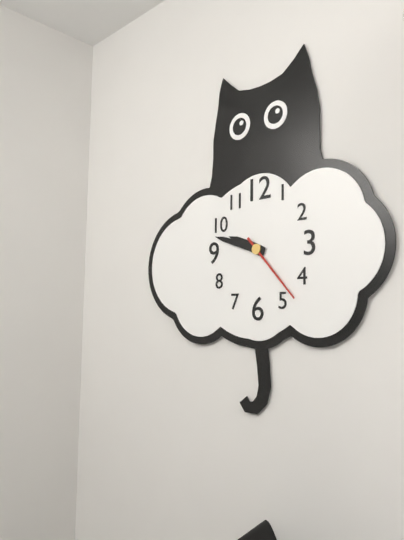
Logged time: 9:48:23
